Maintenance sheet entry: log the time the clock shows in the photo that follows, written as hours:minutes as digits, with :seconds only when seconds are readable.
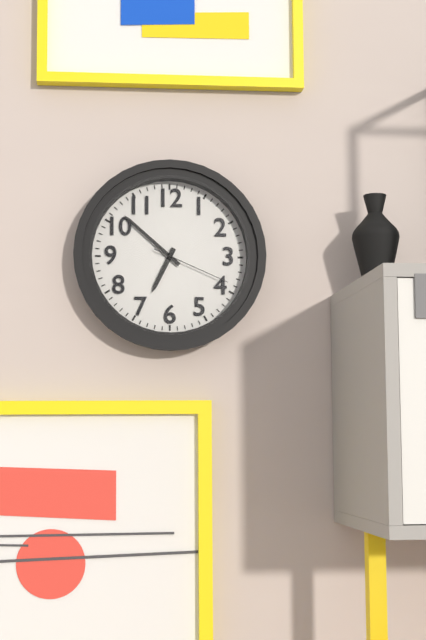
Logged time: 6:52:19
